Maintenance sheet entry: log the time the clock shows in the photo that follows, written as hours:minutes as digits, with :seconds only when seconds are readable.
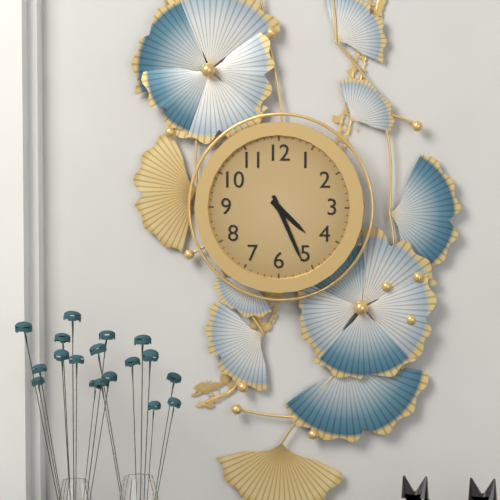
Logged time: 4:26
